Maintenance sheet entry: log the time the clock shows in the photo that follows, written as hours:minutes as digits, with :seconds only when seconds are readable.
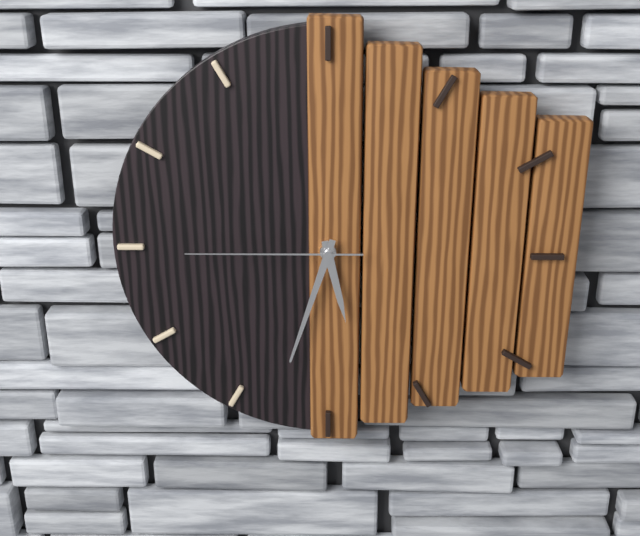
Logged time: 5:33:45
